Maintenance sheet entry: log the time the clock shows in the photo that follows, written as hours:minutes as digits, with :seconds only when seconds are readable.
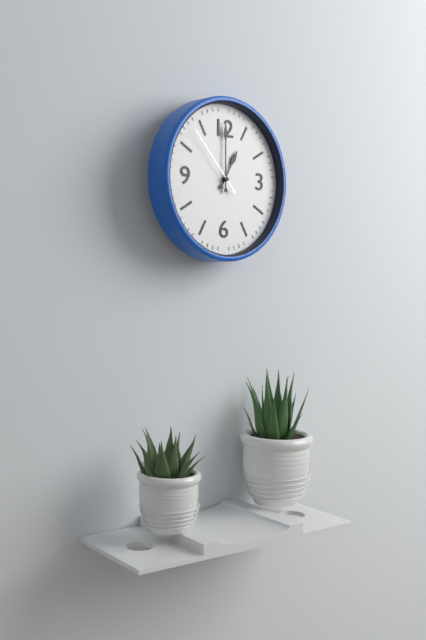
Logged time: 1:00:53
